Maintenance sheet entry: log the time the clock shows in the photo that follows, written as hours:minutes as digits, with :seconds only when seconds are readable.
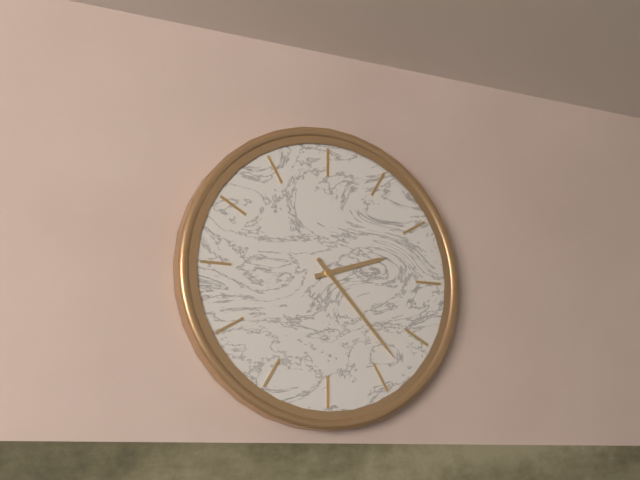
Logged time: 2:23
